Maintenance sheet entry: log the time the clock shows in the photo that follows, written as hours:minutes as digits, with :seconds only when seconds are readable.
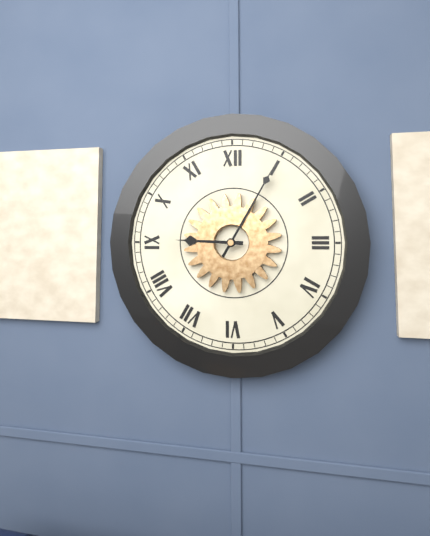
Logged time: 9:05
